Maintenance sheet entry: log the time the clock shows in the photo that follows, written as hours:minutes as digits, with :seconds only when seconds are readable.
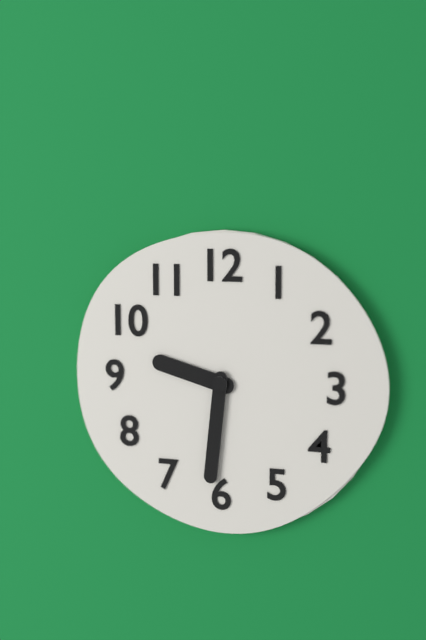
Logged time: 9:31
